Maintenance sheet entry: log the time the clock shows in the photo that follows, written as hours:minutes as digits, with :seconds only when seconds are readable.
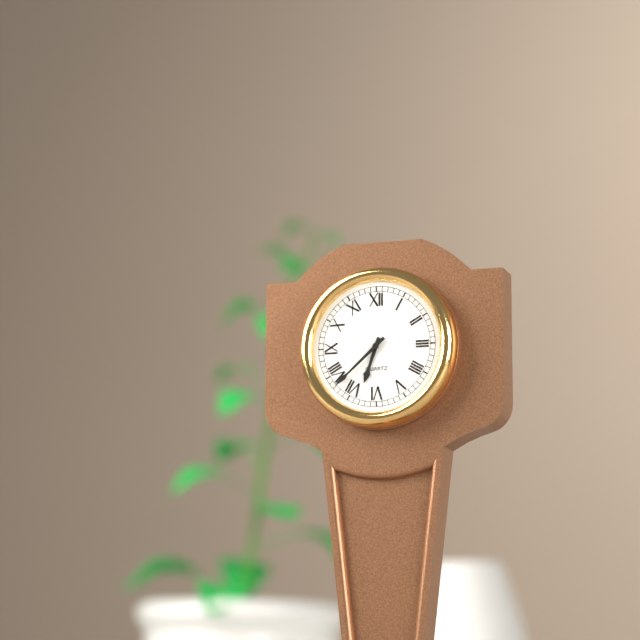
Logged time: 6:38
